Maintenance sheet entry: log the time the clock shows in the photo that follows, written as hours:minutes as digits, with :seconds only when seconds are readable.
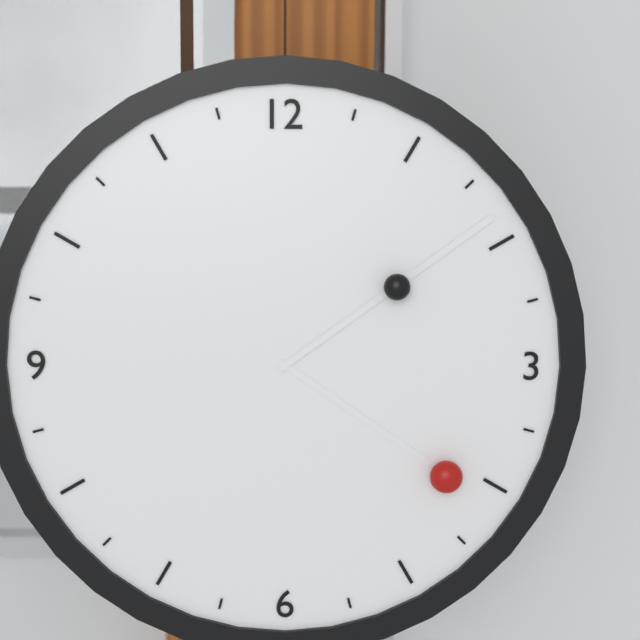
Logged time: 4:09
